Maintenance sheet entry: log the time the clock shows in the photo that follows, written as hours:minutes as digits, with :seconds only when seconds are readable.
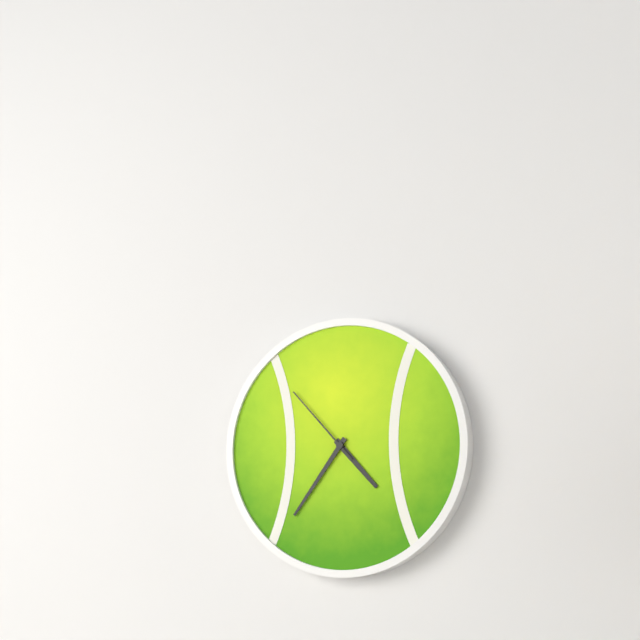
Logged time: 4:36:53
